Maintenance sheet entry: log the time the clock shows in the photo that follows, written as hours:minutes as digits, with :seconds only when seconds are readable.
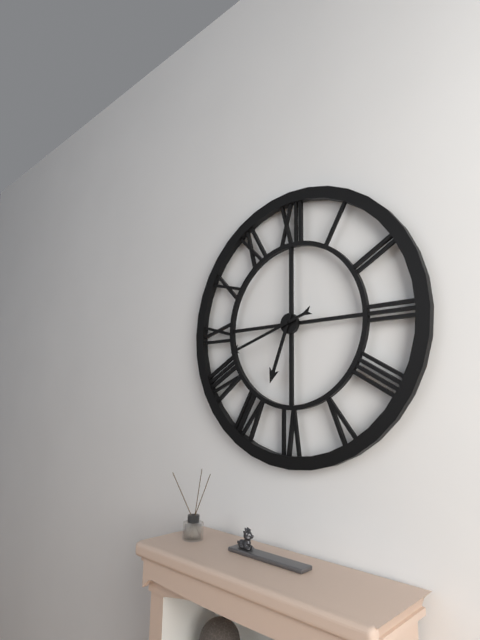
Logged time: 6:42
